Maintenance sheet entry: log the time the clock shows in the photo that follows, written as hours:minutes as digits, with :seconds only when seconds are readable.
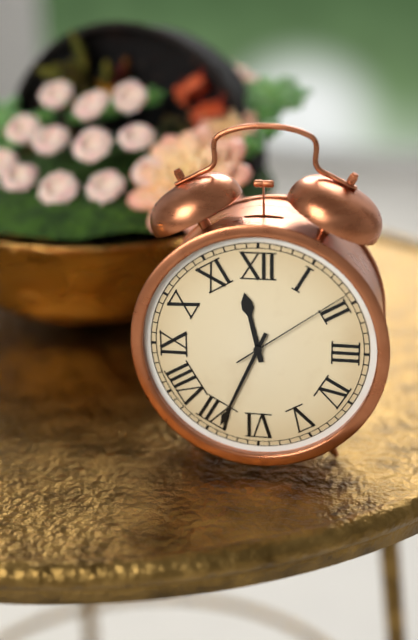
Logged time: 11:34:09
